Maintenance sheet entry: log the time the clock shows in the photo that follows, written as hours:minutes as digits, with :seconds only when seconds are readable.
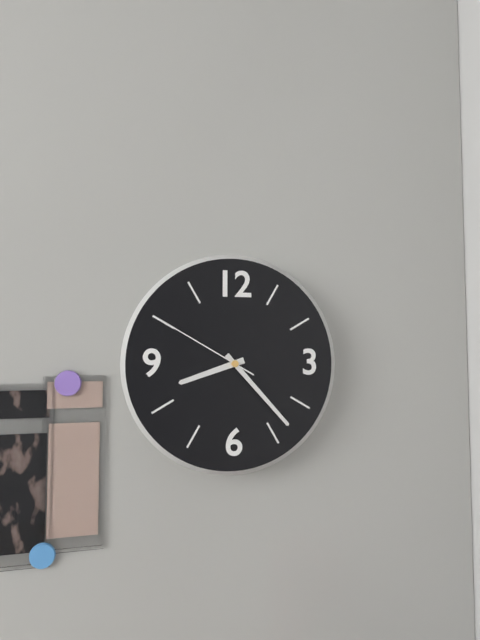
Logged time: 8:23:50
